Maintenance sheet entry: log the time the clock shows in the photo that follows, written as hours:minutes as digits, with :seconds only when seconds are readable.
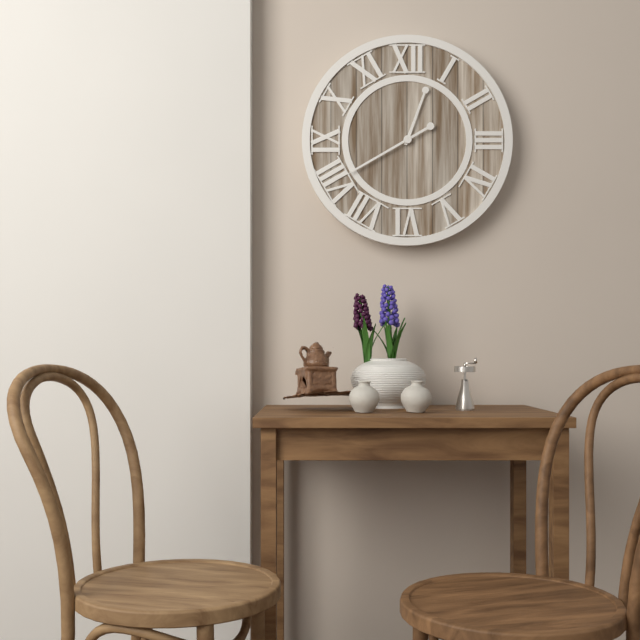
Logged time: 12:40
